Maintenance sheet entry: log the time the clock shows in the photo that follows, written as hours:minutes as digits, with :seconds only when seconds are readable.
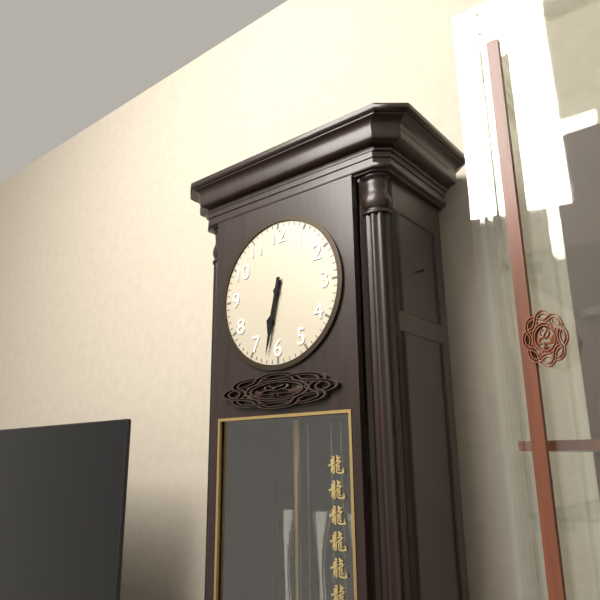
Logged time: 6:32
